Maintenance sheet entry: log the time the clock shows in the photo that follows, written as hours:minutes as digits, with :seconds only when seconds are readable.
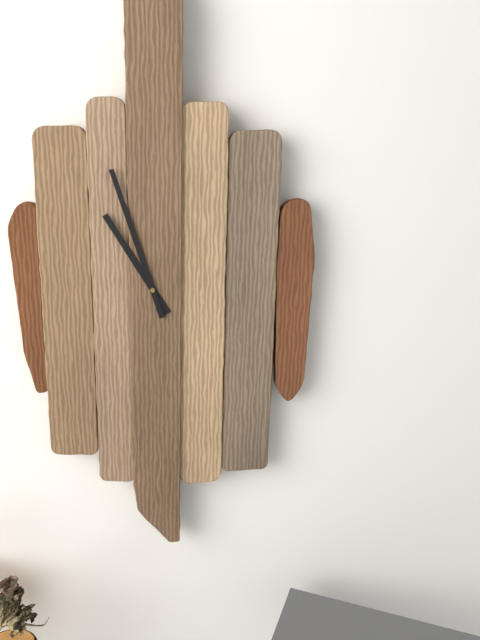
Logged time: 10:57
